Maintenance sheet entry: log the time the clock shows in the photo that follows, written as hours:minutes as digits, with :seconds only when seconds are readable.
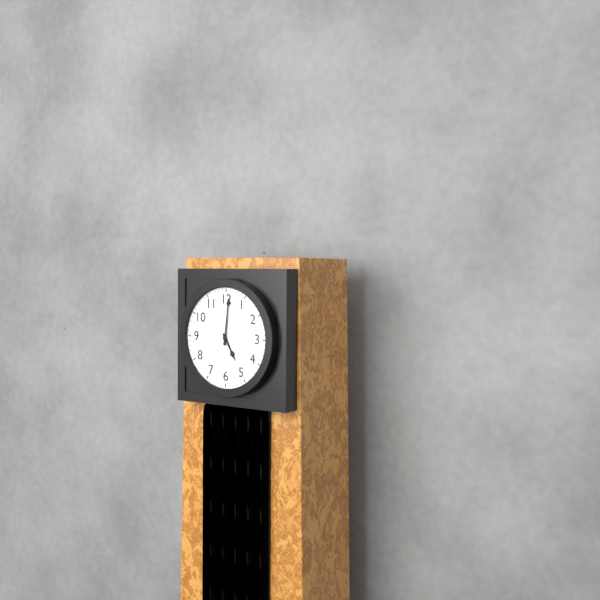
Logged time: 5:01
